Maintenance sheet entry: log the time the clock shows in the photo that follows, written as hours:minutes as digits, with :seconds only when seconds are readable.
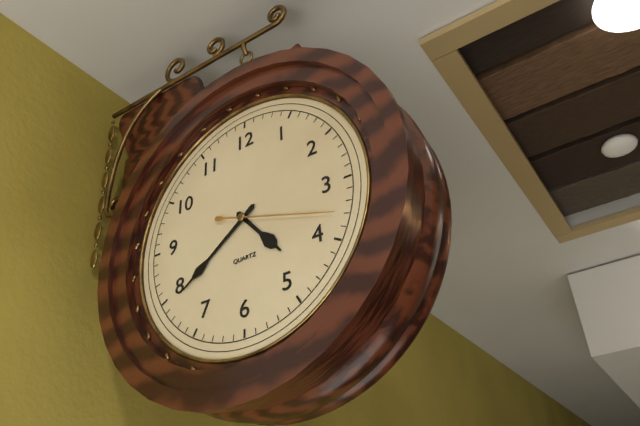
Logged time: 4:39:18
